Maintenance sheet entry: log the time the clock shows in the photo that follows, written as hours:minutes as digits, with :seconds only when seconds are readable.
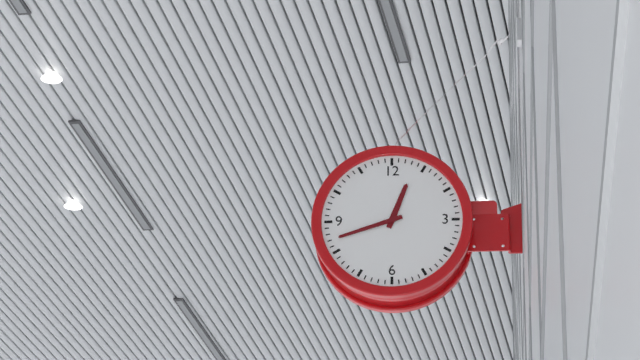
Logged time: 12:42
